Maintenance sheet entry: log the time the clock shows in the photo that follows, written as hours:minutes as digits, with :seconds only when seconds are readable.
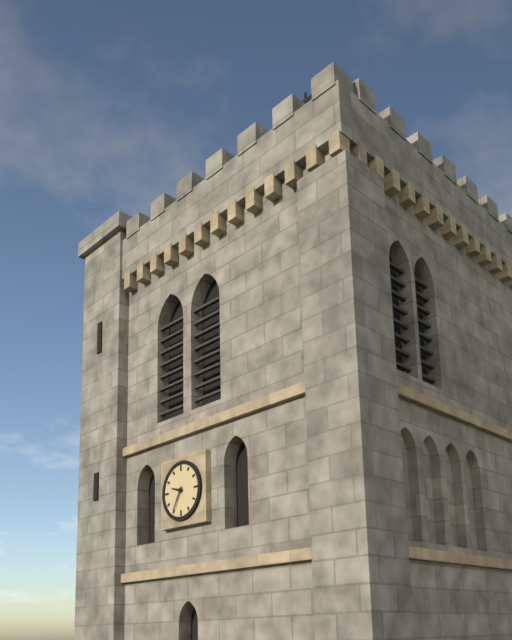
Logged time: 9:35
